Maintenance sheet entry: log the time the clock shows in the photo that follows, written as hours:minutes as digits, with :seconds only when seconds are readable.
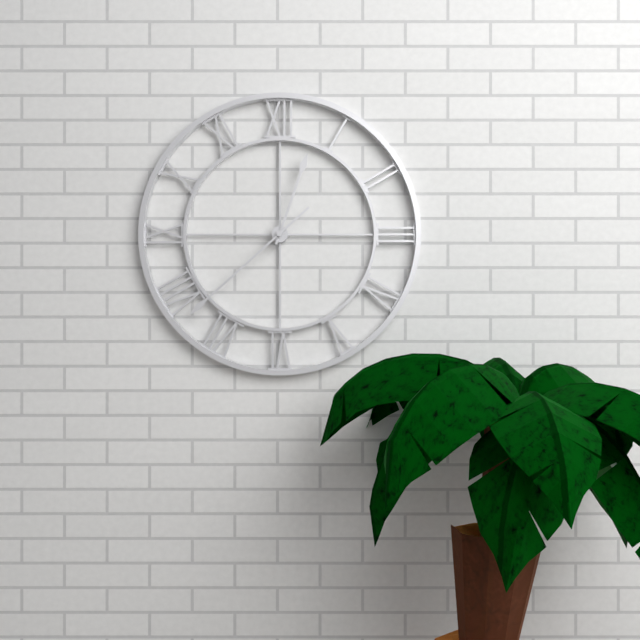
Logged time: 12:38
